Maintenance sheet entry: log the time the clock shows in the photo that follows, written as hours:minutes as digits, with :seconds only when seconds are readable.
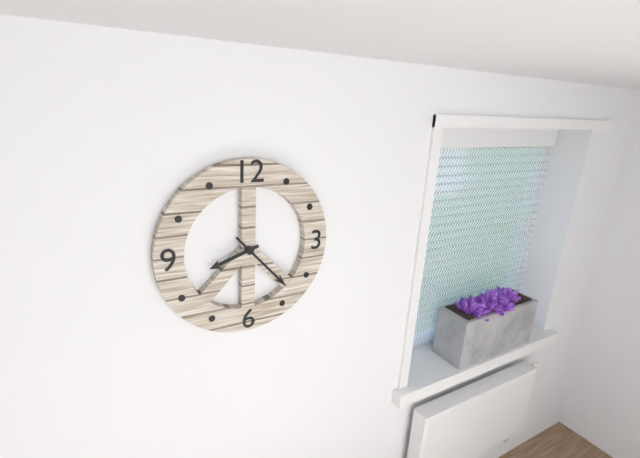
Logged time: 8:23
